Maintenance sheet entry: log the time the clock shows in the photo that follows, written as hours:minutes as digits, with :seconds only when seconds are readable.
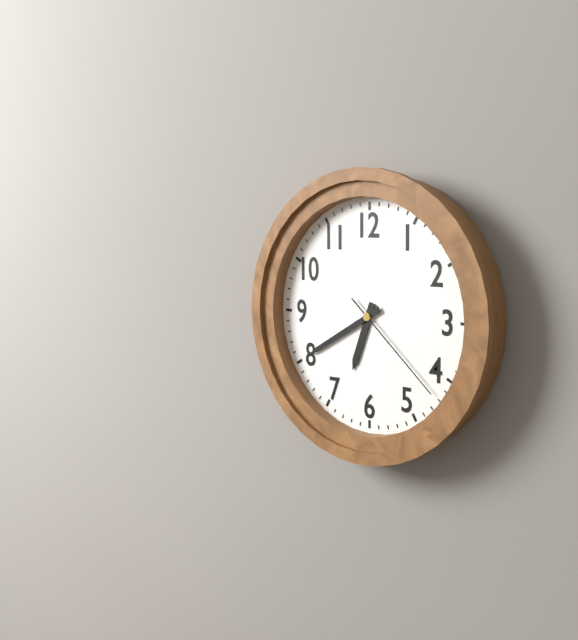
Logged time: 6:40:22
